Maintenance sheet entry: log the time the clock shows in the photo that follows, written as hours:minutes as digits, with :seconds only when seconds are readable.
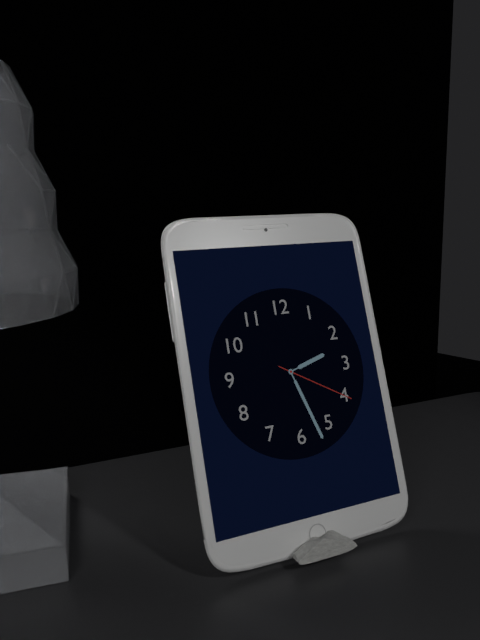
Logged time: 2:27:20
